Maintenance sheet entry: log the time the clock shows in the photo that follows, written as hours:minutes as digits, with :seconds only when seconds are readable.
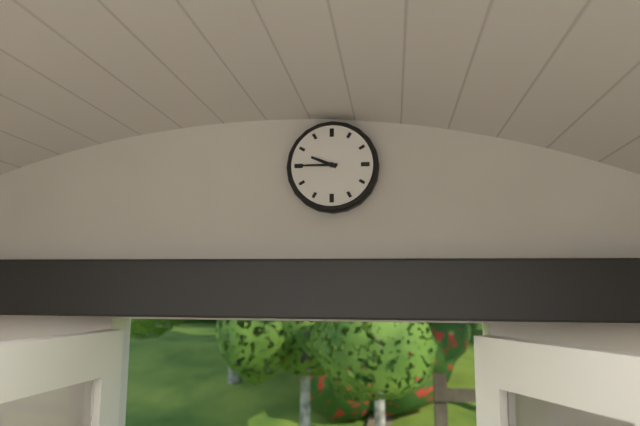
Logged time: 9:45
